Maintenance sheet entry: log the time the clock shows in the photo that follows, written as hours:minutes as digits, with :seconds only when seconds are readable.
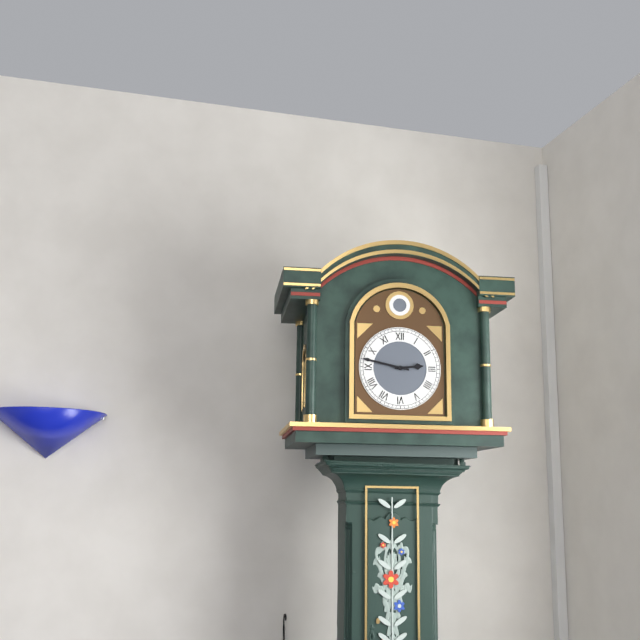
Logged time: 2:47
